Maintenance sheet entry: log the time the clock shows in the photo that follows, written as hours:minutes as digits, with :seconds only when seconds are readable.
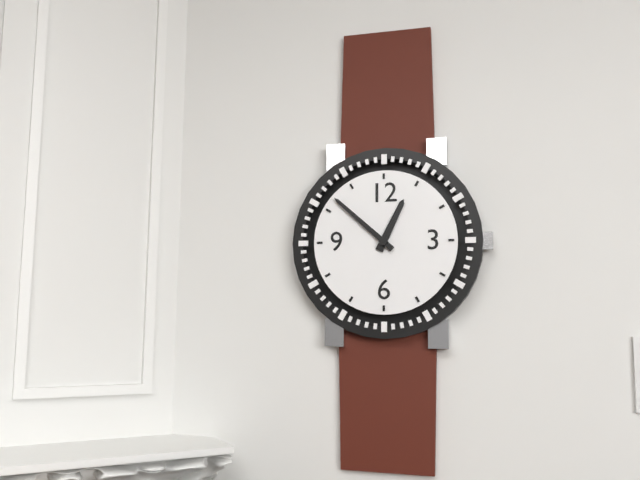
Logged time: 12:52
